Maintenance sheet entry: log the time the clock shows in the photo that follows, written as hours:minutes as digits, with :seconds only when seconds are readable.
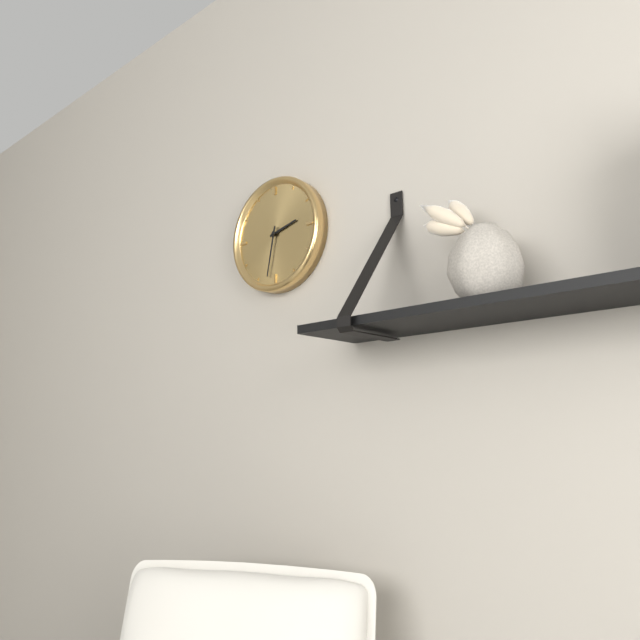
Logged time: 2:32
